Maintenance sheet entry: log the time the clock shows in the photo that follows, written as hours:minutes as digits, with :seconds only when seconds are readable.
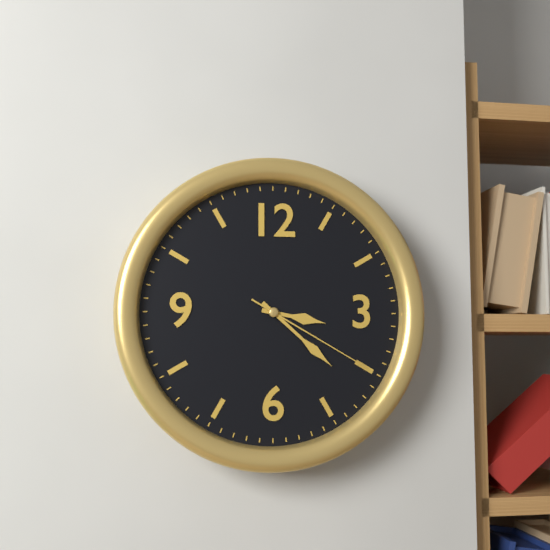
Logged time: 3:22:20
